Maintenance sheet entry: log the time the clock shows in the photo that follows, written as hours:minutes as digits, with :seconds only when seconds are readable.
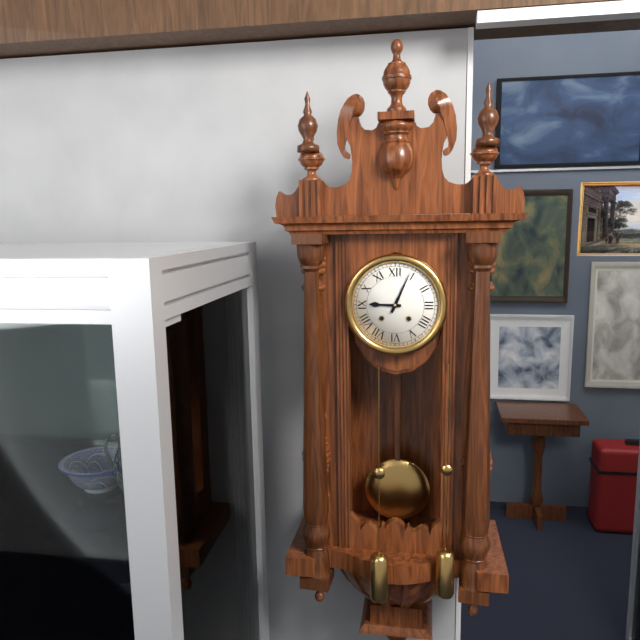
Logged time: 9:04
